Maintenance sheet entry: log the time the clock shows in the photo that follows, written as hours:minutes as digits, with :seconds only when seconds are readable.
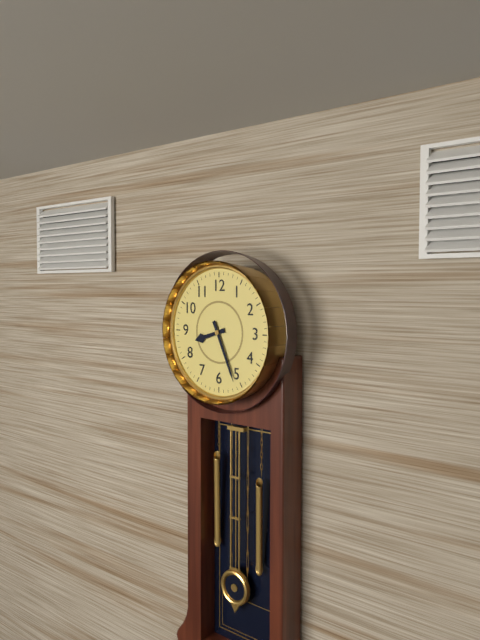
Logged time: 8:26
